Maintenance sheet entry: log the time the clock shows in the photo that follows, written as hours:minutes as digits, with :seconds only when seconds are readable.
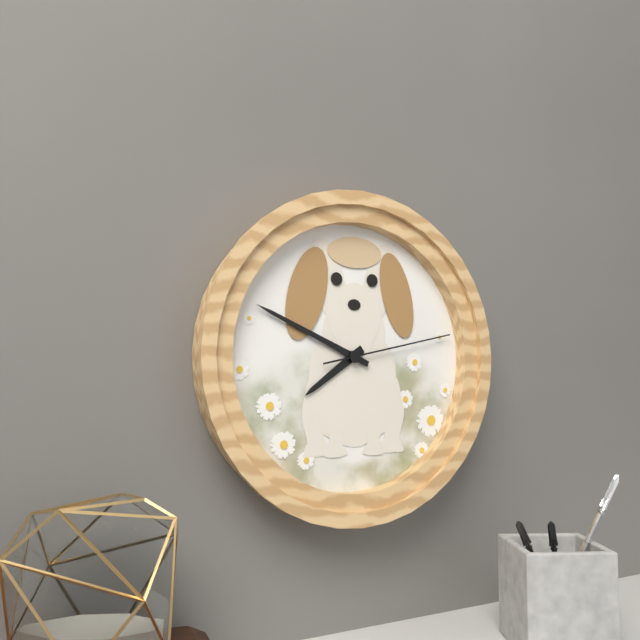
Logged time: 7:49:13
